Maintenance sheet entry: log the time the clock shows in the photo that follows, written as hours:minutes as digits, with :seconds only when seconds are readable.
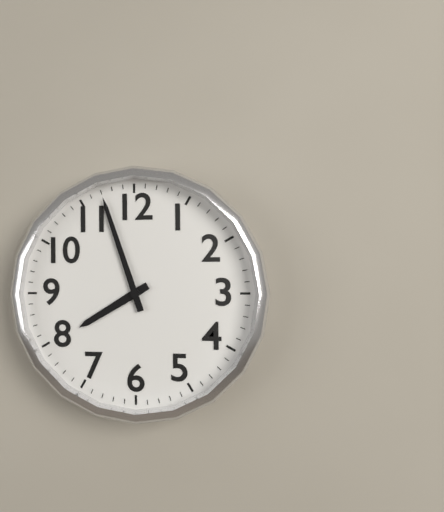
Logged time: 7:57
